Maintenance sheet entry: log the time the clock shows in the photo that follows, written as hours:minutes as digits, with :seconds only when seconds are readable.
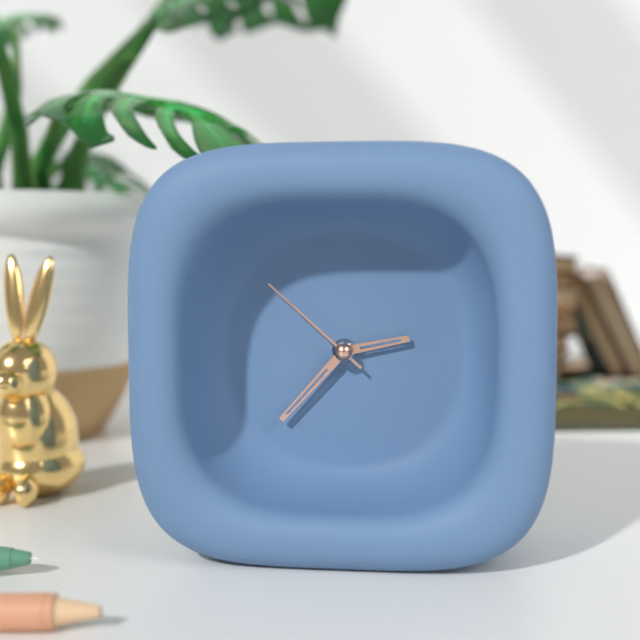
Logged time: 2:37:52
